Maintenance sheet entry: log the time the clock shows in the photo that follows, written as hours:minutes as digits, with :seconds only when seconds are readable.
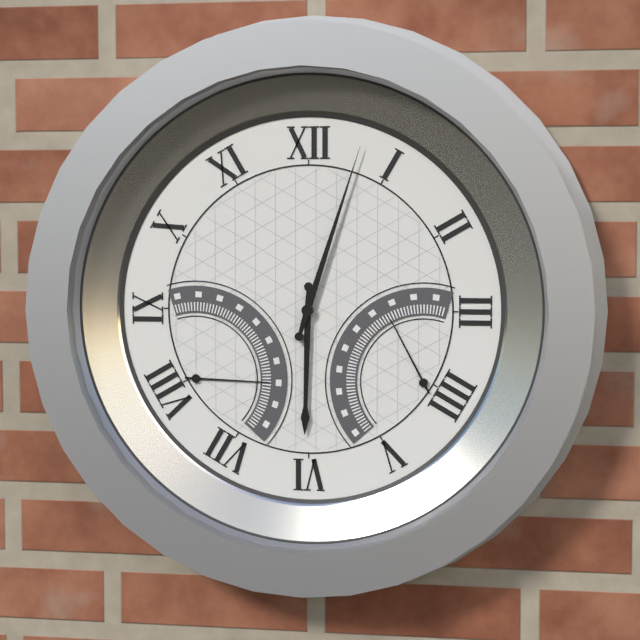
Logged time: 6:03
